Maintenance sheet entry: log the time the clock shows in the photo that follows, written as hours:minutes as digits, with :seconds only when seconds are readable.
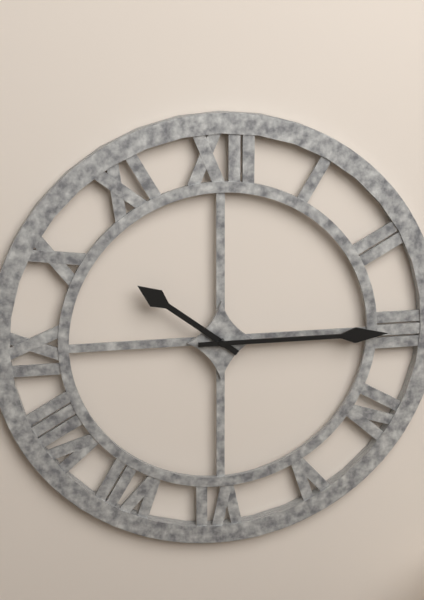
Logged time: 10:15
